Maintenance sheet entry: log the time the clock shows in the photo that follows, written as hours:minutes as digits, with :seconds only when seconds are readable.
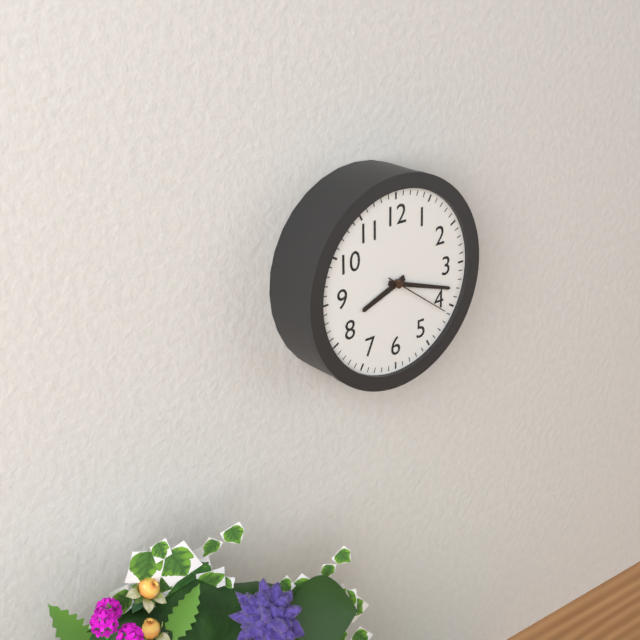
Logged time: 8:18:21
